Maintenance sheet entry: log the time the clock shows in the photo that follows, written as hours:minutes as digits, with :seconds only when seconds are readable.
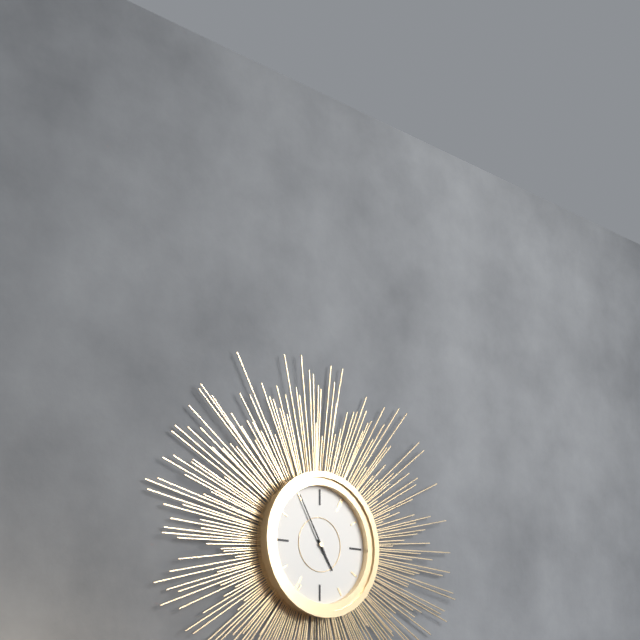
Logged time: 4:55
